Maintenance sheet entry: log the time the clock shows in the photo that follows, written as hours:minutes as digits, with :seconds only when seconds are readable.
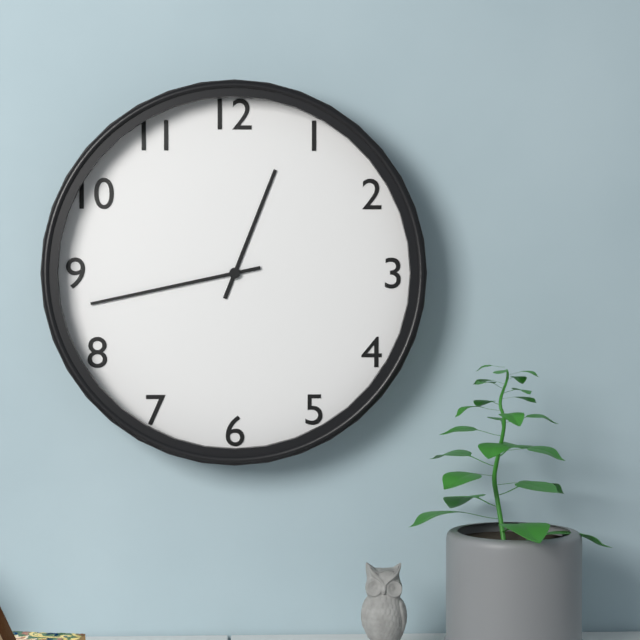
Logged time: 12:43
